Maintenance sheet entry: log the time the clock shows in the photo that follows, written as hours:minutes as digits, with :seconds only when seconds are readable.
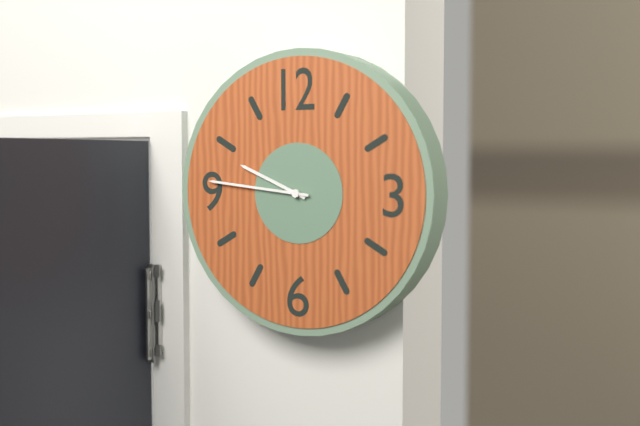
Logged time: 9:46
